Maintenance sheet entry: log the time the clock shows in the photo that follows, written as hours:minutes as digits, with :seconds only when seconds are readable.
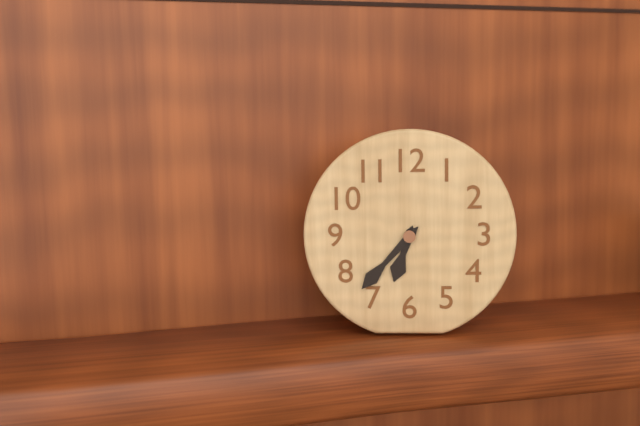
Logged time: 6:37
